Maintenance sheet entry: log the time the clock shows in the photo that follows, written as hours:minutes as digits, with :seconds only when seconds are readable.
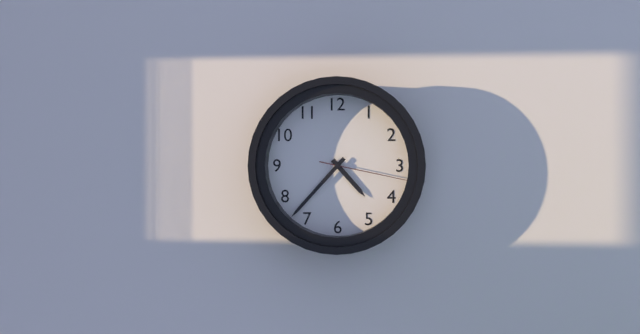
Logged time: 4:37:17
